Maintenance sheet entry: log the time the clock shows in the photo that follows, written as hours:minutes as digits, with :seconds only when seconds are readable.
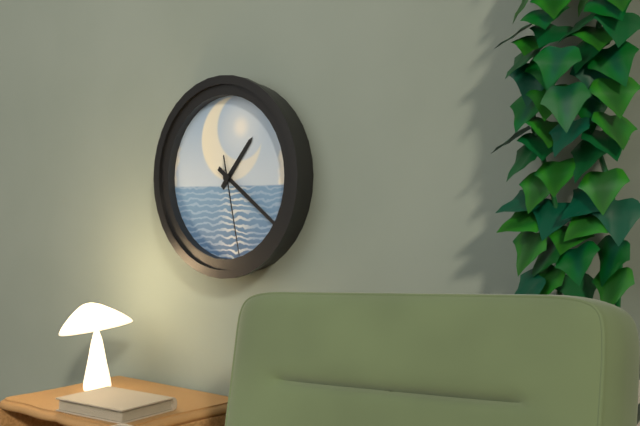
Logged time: 1:21:28
